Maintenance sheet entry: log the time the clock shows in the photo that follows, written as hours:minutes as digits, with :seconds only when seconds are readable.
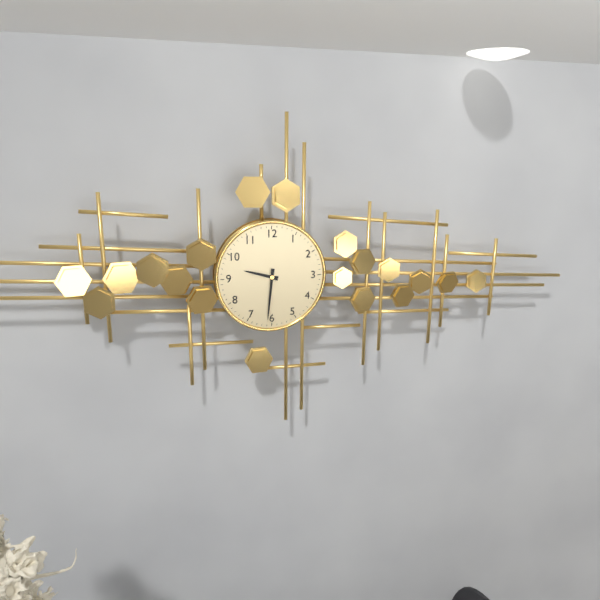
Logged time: 9:31
